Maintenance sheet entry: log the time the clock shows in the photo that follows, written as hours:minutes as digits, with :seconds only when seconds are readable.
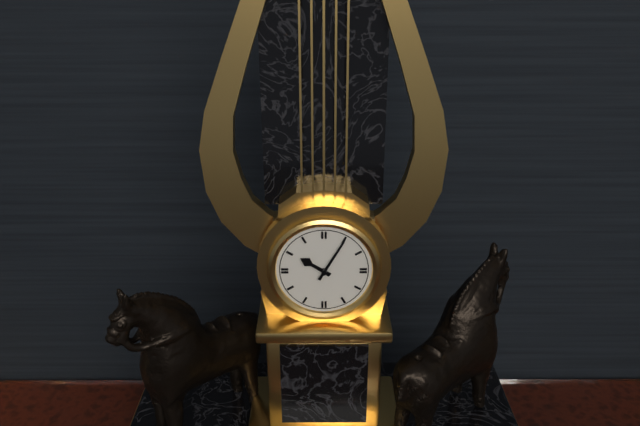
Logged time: 10:05
